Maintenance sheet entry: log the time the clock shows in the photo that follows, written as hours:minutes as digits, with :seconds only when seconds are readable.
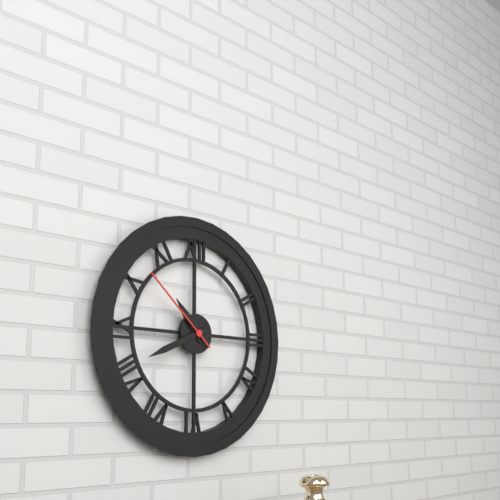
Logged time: 10:41:52
